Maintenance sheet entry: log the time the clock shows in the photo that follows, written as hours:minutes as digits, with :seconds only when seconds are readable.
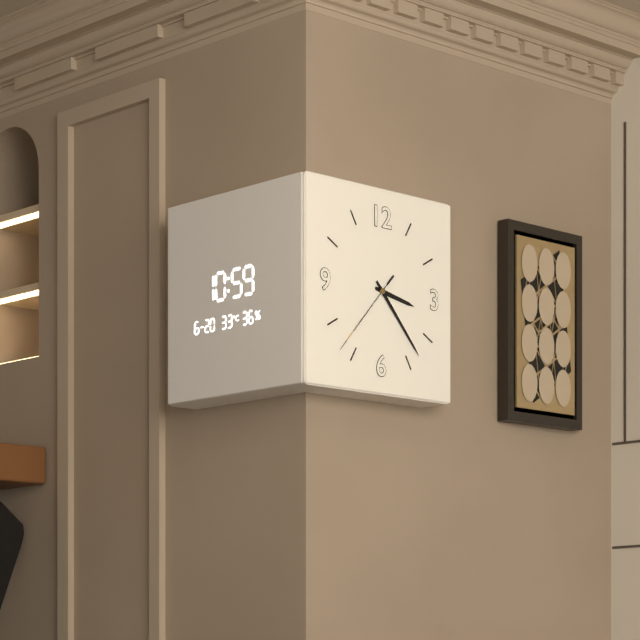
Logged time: 3:23:37
